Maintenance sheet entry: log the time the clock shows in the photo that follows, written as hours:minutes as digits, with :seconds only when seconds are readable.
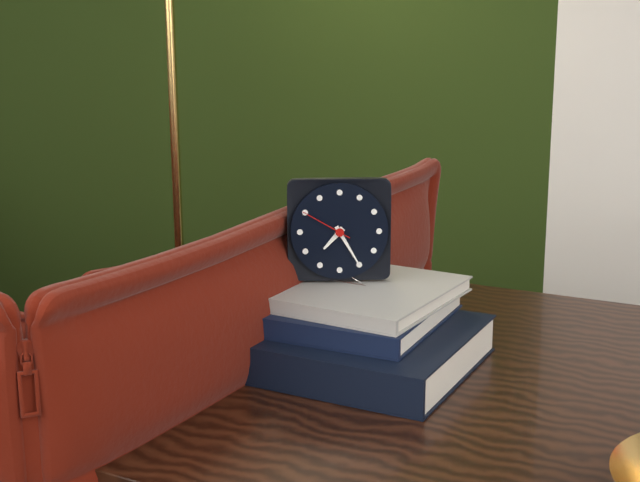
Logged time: 7:25:50
